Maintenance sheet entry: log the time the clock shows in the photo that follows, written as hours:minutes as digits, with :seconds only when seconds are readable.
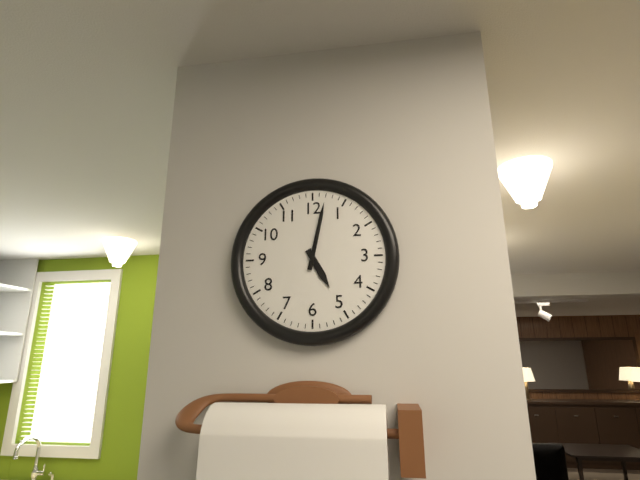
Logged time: 5:02
